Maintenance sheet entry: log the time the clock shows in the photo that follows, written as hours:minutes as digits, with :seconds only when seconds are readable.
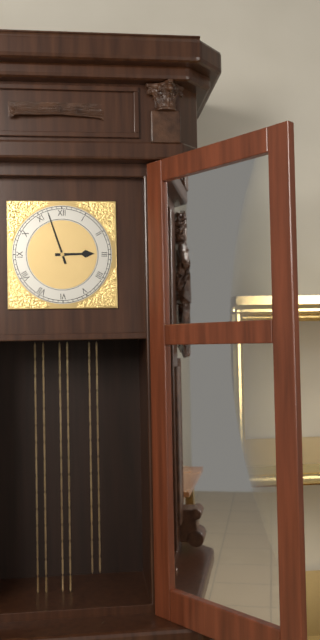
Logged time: 2:57
